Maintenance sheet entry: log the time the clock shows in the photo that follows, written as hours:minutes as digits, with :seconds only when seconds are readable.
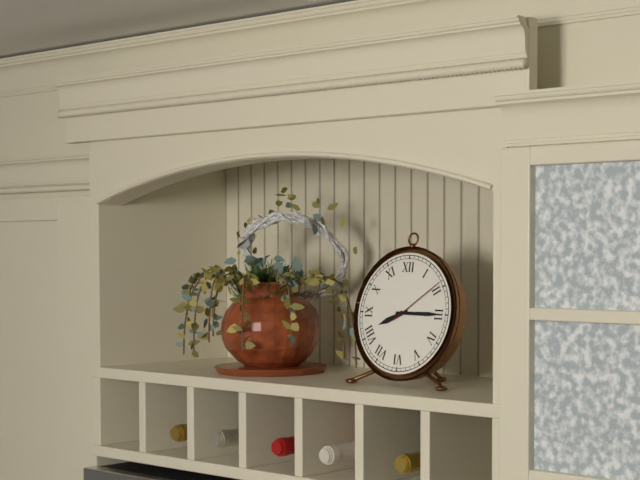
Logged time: 8:15:09
